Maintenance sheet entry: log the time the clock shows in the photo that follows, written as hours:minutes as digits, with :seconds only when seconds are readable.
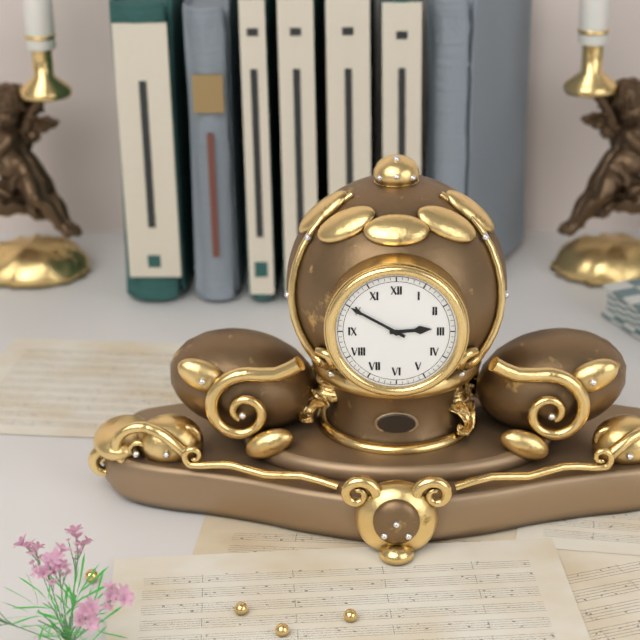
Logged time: 2:50
